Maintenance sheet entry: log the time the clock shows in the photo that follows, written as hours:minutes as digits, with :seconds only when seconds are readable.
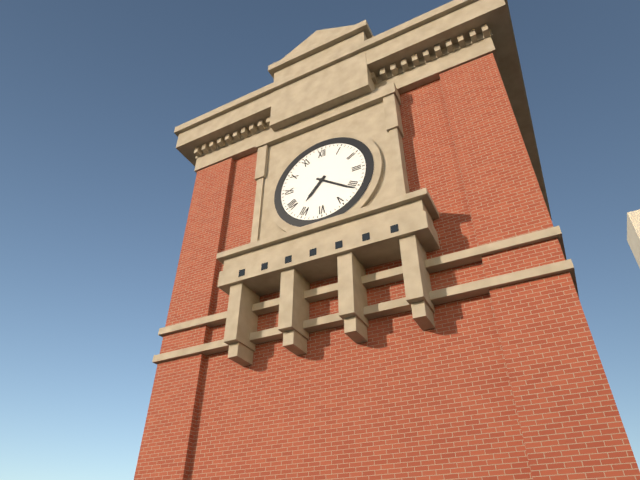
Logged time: 7:21
